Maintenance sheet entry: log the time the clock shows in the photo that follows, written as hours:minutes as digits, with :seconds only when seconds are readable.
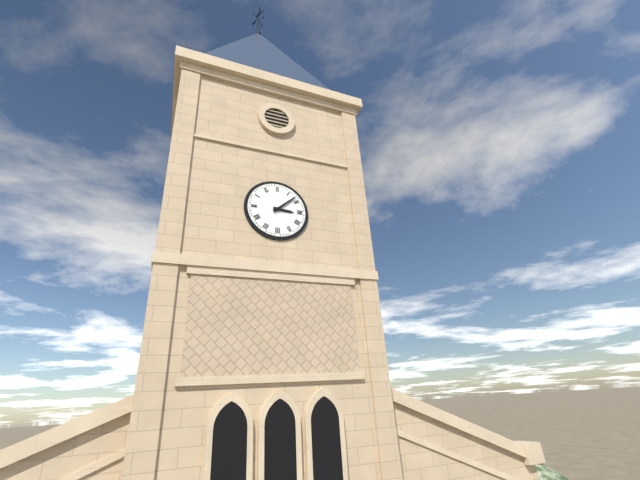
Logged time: 3:08
